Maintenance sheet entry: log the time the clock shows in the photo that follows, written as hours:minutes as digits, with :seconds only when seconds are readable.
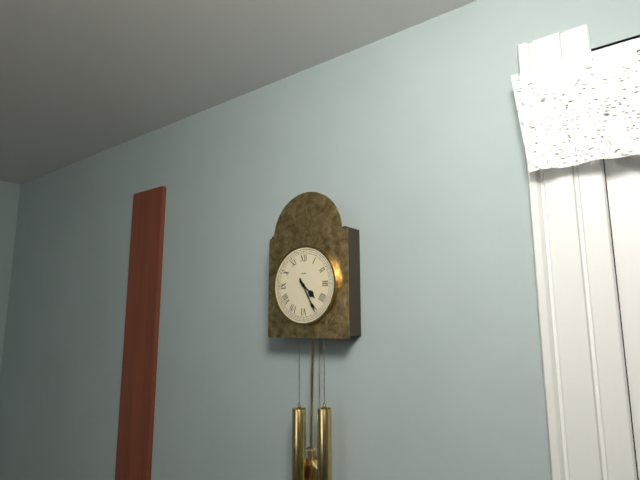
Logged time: 4:25
